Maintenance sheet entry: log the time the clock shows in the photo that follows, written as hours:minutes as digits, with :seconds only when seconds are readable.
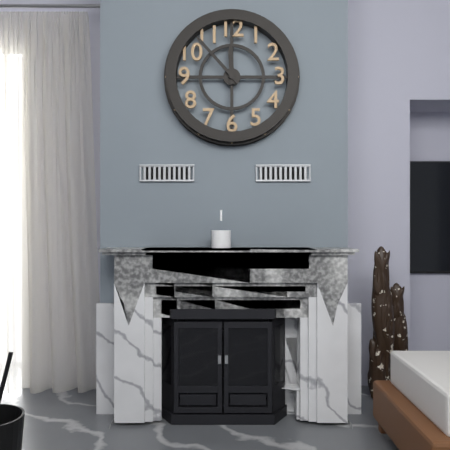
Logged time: 11:53
